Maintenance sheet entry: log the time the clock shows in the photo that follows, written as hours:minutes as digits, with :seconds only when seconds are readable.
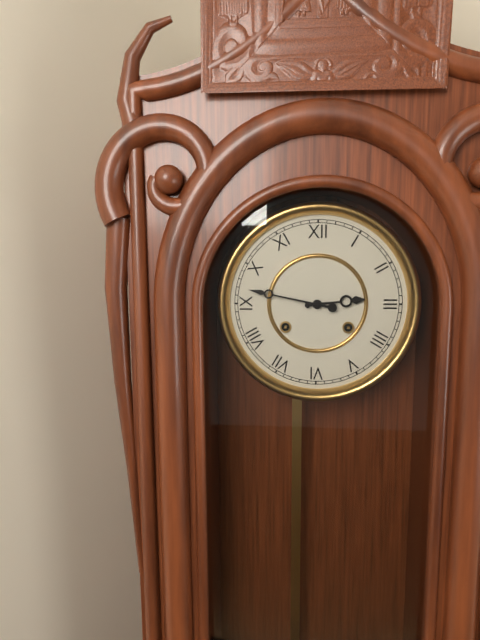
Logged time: 2:47
